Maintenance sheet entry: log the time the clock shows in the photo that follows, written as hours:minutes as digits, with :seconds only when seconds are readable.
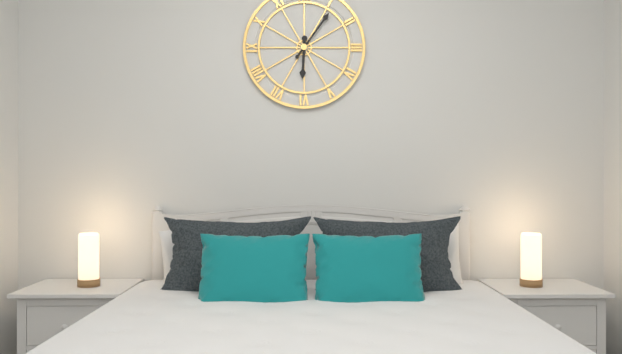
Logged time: 6:06
